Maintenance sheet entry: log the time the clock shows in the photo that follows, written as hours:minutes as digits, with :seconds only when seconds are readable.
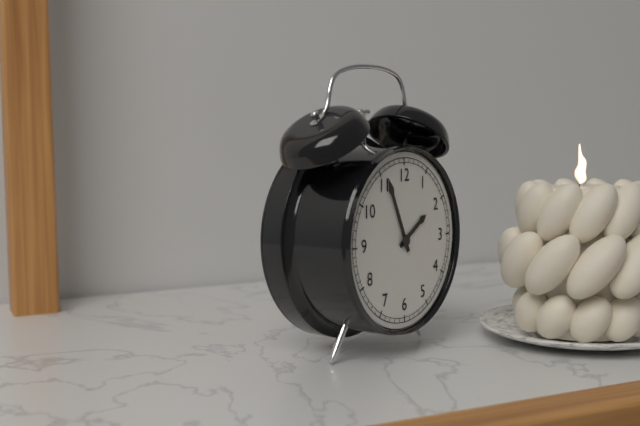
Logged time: 1:56
